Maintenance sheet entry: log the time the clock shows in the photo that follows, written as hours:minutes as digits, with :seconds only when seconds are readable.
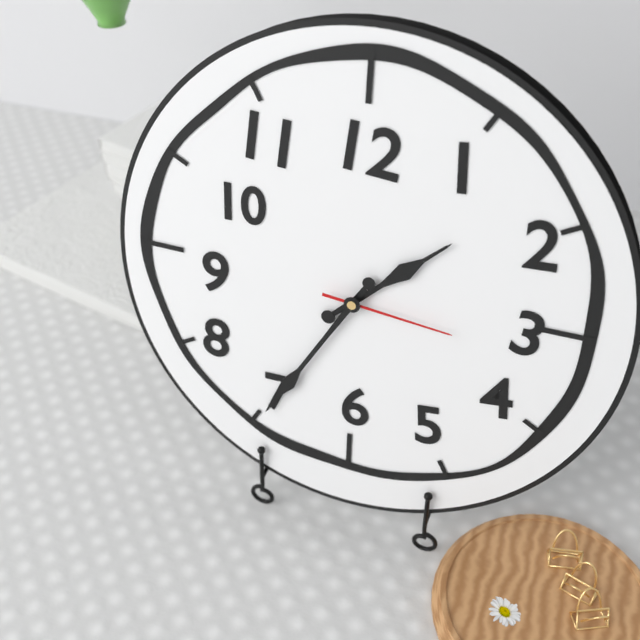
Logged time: 1:35:16
